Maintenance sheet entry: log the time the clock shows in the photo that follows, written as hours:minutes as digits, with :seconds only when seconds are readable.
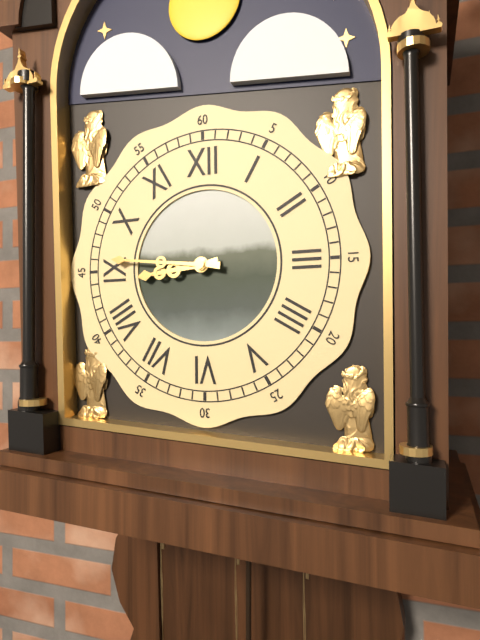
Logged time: 8:46
